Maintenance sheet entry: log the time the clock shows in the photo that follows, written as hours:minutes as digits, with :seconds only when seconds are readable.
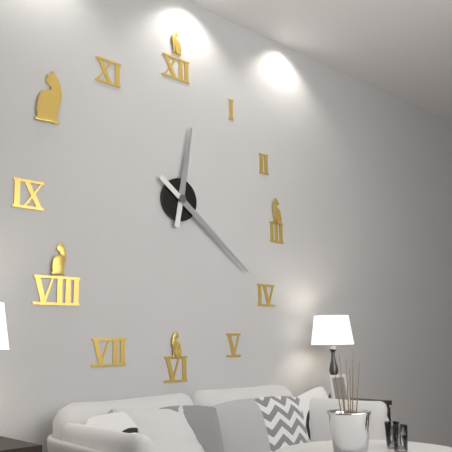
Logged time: 12:21
